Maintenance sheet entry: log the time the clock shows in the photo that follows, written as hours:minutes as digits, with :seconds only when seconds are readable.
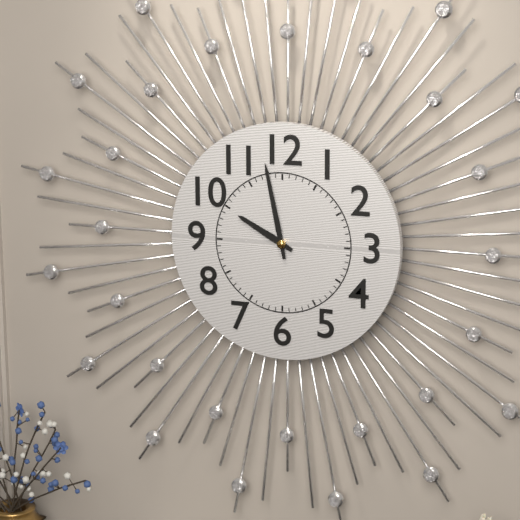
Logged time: 9:58
